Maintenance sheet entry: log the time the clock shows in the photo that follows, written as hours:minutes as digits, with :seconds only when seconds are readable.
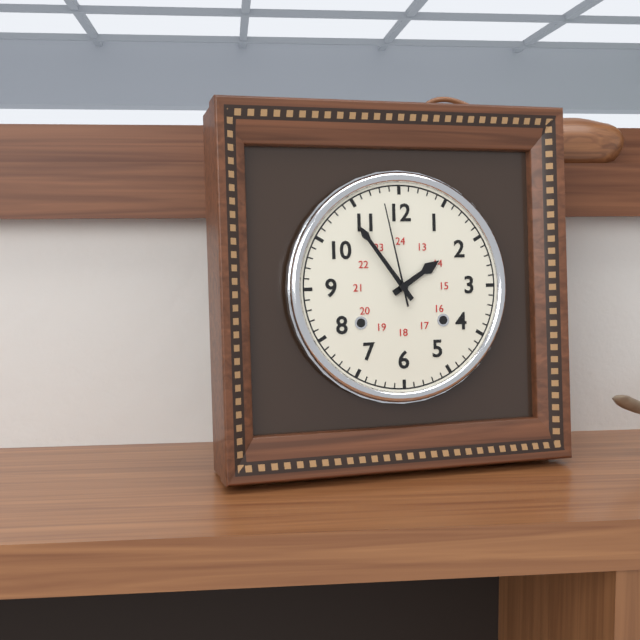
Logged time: 1:54:58
